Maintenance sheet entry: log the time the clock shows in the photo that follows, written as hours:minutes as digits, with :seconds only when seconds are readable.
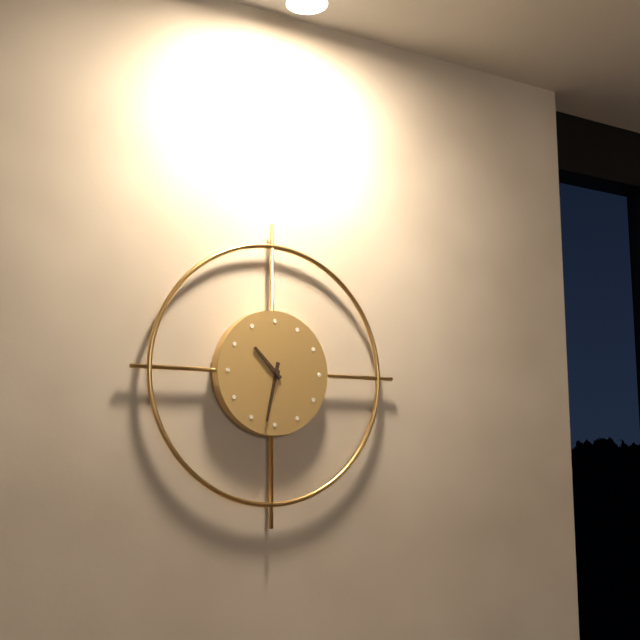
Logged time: 10:32
